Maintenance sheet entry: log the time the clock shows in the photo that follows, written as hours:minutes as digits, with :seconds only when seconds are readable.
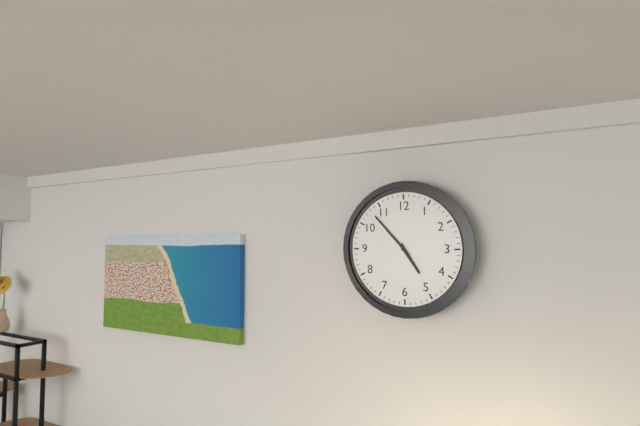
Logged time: 4:53
